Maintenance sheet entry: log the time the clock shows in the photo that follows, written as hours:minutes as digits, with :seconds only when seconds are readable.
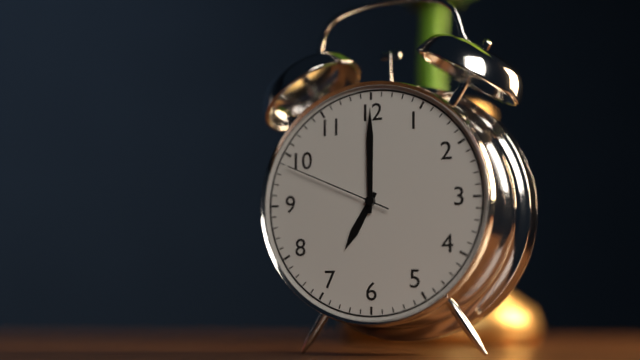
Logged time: 7:00:49
